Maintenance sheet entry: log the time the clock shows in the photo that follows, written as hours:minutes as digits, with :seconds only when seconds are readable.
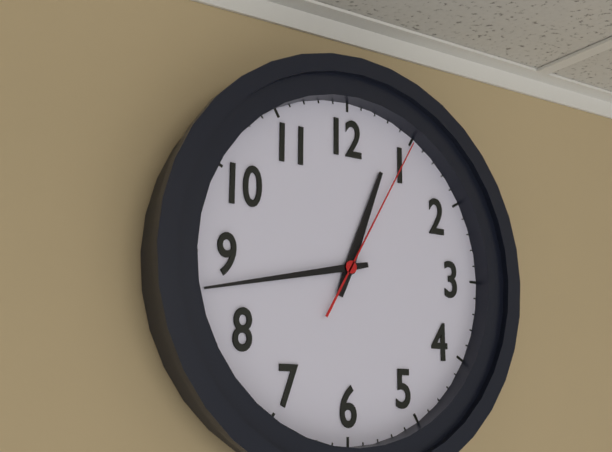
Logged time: 12:43:05
